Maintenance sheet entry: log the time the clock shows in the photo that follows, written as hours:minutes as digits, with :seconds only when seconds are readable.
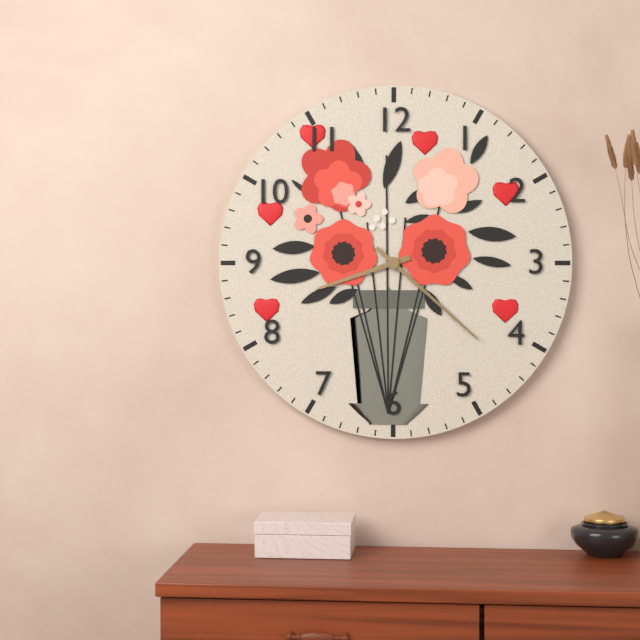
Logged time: 8:22
